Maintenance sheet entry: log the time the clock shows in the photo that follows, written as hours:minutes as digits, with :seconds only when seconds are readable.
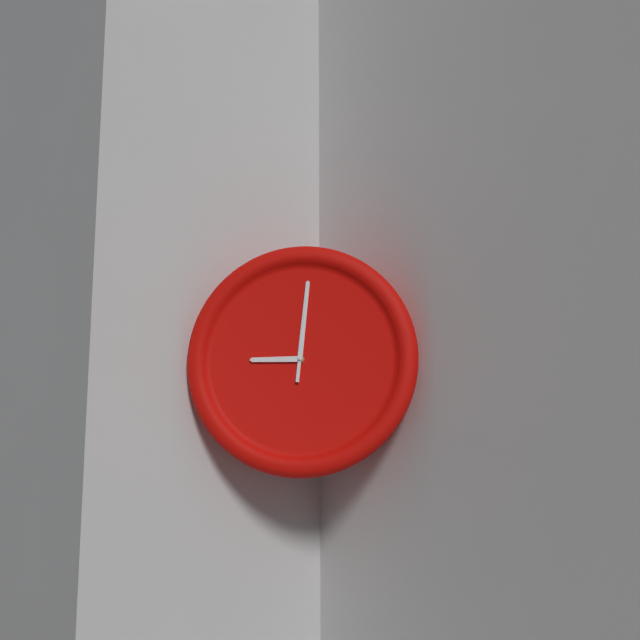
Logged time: 9:01:01
